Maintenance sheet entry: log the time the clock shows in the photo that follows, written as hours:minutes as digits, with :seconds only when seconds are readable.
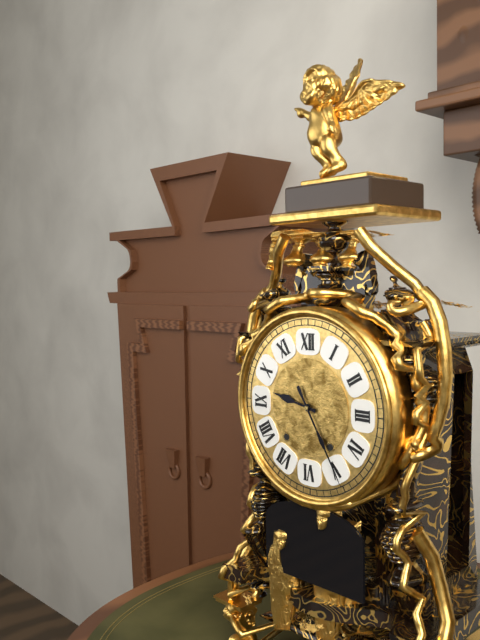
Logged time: 9:25
